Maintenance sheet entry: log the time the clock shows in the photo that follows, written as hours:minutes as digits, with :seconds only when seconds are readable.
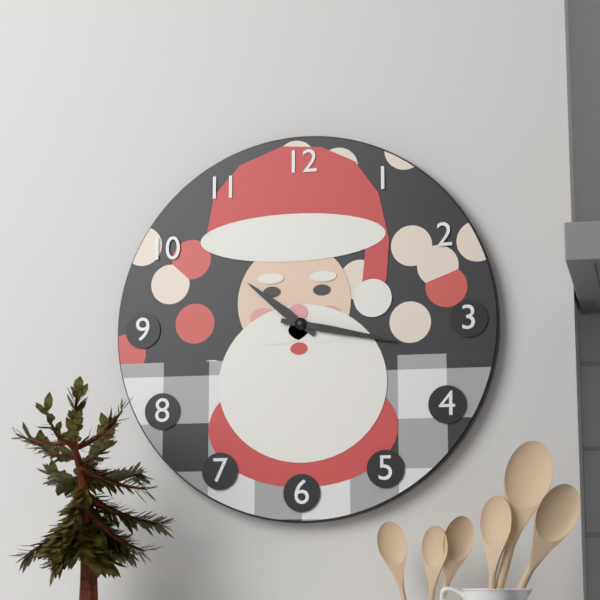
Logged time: 10:17
